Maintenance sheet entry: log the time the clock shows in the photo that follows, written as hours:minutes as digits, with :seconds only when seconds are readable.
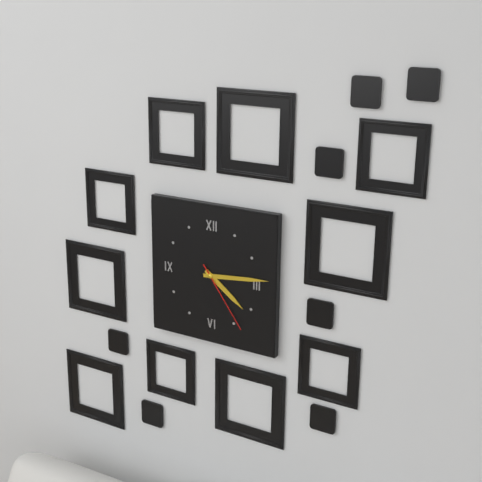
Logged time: 4:14:24
